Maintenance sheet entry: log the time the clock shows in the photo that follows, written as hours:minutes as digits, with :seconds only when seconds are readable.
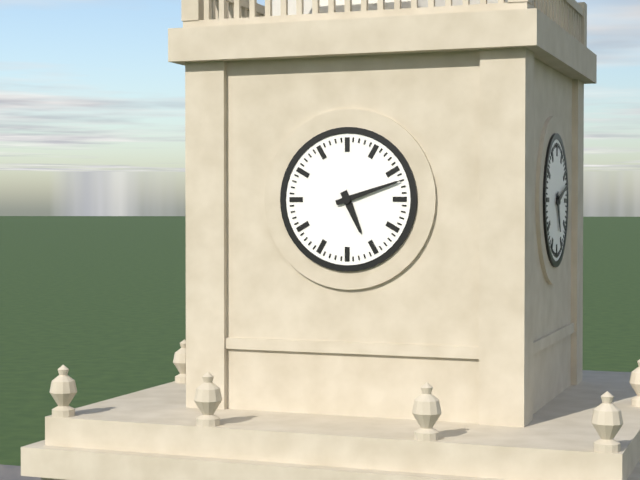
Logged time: 5:12
